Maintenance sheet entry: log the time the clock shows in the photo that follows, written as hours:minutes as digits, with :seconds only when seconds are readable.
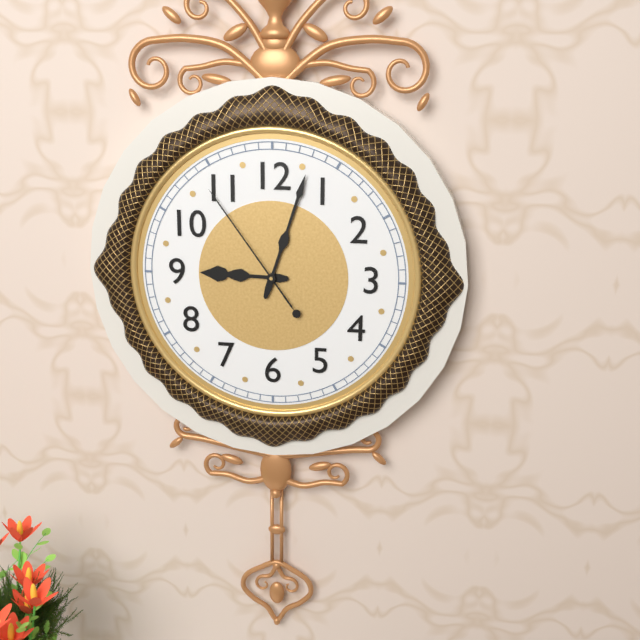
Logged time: 9:03:54
